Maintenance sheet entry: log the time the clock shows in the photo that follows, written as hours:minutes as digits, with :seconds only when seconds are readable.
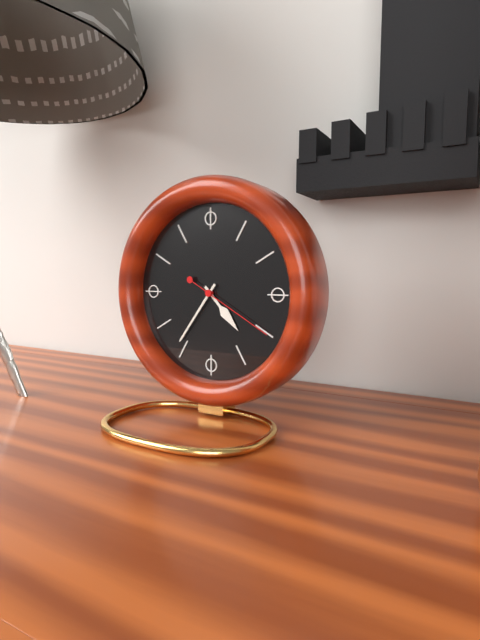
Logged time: 4:36:20
